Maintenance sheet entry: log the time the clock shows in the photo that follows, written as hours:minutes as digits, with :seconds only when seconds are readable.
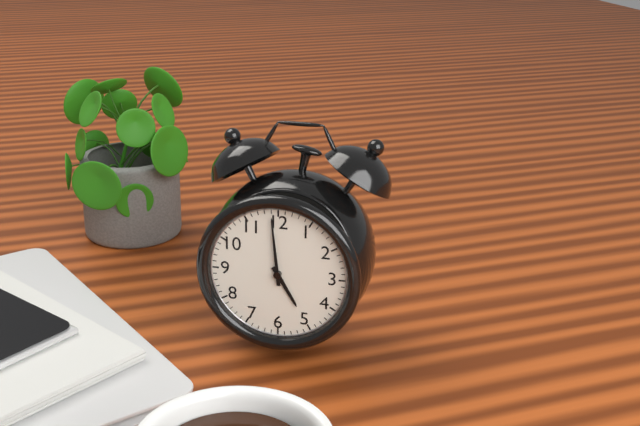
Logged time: 4:59
